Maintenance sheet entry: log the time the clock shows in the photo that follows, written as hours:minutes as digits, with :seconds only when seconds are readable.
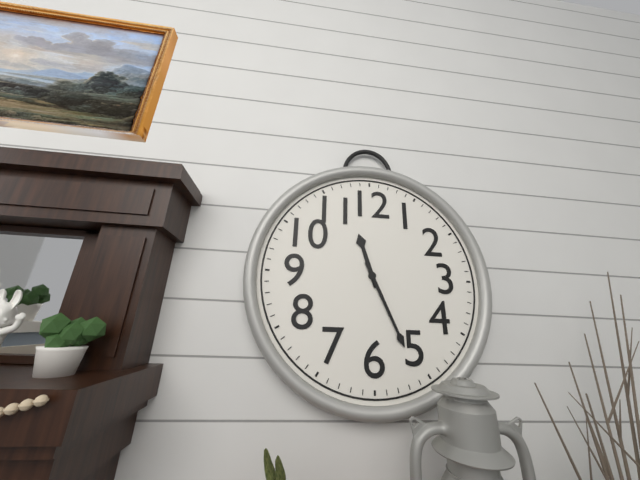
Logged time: 11:26
